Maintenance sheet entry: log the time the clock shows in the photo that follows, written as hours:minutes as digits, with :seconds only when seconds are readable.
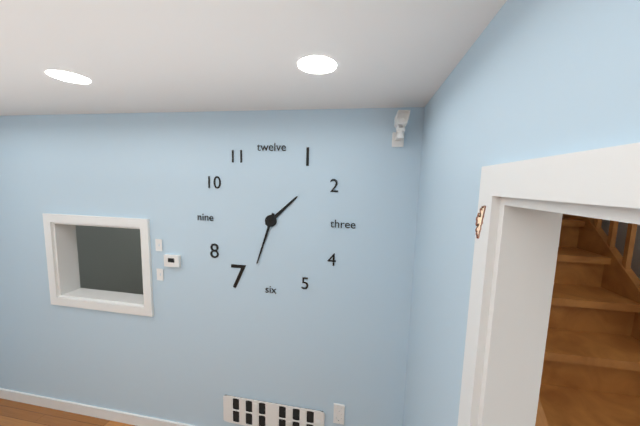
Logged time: 1:33
